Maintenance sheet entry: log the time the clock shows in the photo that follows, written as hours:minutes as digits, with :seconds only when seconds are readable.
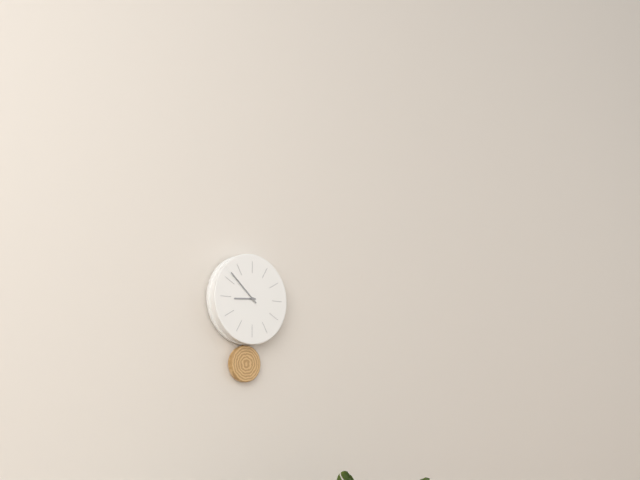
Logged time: 8:52
